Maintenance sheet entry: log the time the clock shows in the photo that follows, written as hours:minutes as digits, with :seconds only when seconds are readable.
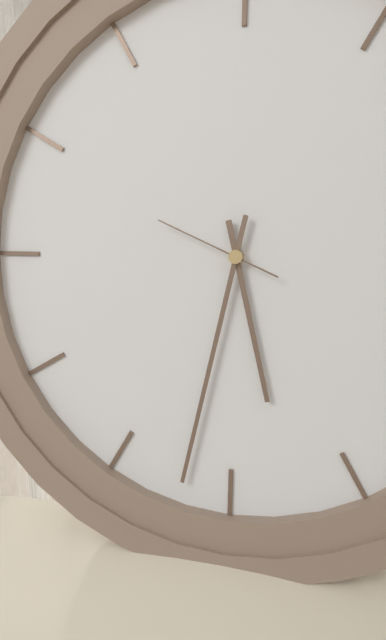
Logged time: 5:32:49
